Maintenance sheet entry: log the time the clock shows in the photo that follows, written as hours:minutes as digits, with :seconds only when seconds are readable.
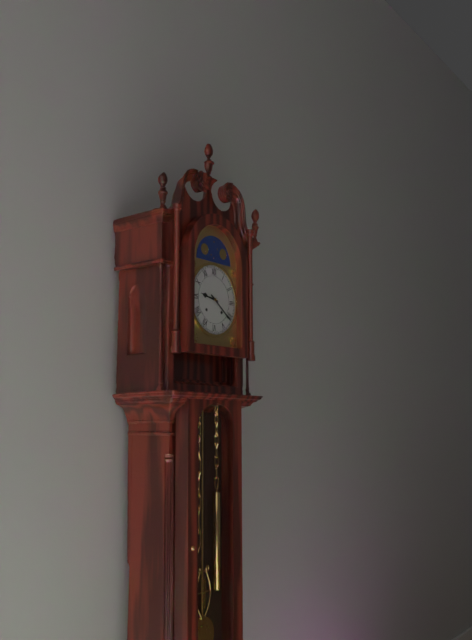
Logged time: 9:21
